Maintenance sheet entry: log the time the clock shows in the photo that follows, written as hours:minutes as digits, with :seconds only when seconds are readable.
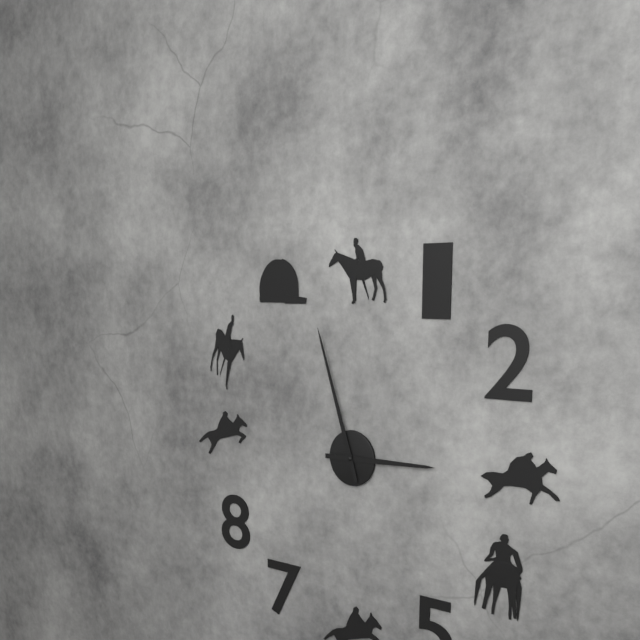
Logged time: 2:57
